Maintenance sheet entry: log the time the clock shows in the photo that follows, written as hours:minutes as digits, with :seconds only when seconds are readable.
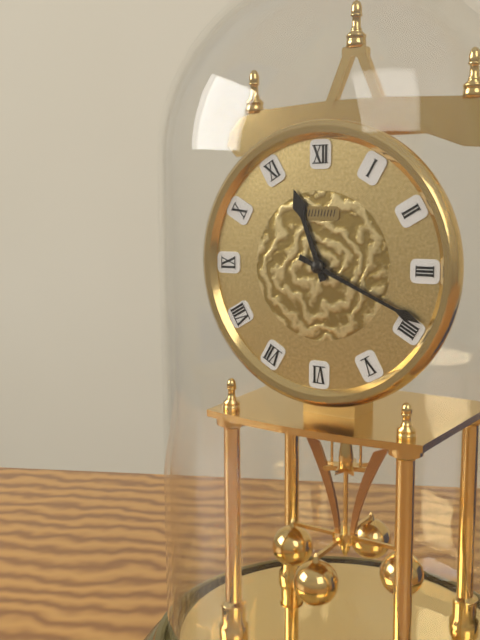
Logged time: 11:19
